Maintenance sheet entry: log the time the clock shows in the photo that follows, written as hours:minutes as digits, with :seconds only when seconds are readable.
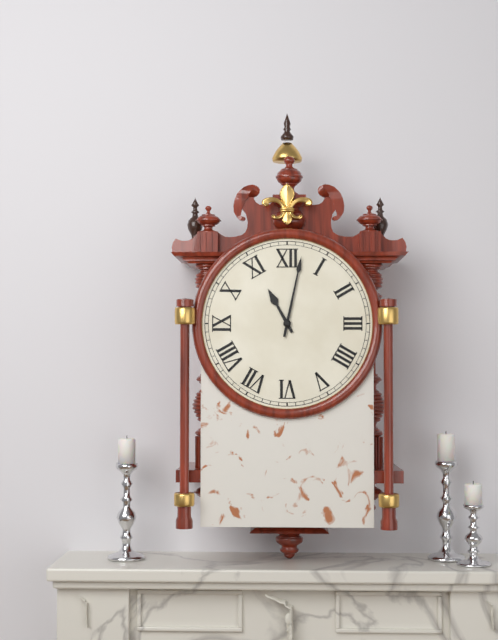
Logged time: 11:02
